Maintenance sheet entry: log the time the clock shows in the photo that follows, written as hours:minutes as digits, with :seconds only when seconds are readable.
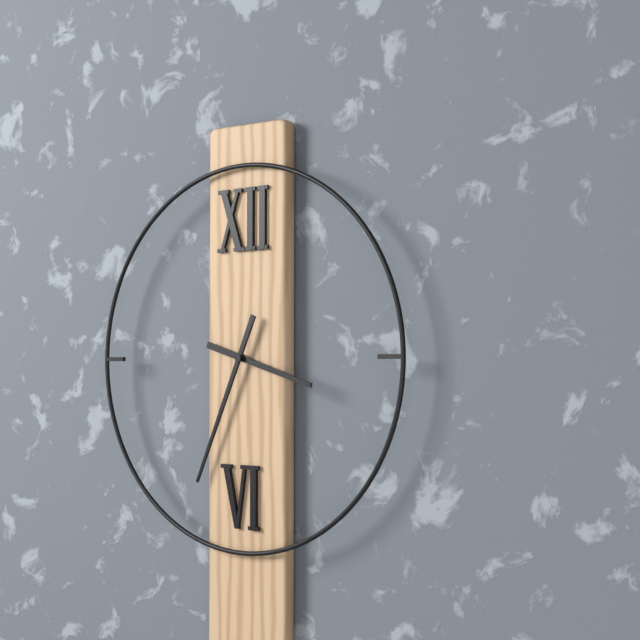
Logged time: 3:34
